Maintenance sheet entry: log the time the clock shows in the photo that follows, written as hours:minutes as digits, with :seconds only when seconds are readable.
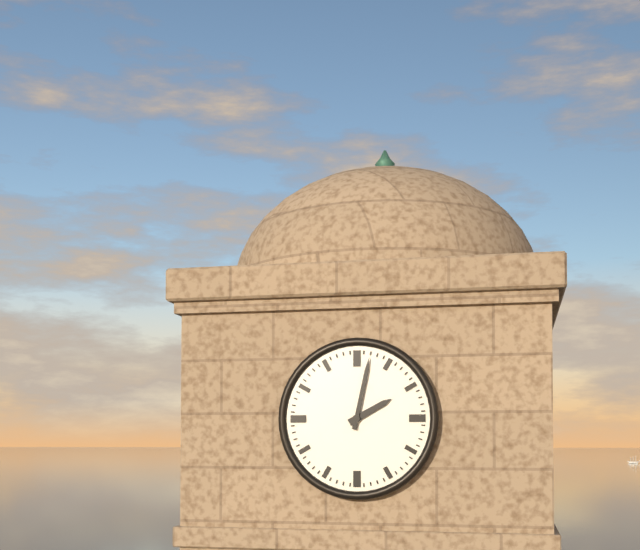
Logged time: 2:02
